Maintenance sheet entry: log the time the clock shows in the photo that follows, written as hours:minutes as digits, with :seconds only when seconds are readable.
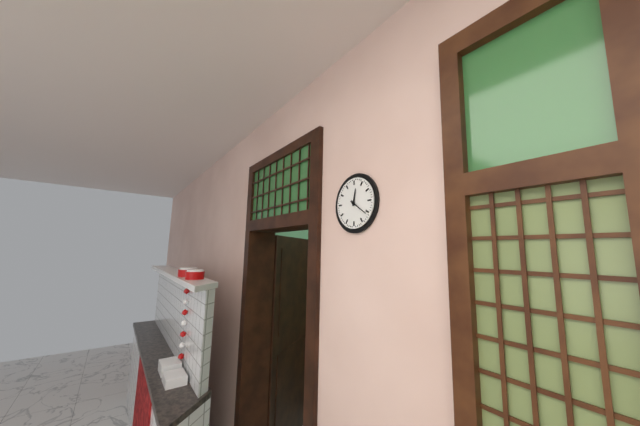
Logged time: 12:21
